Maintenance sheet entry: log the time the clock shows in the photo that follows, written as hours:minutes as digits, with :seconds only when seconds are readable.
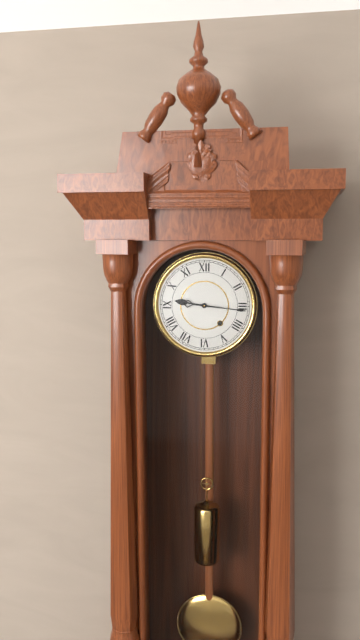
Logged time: 9:16
